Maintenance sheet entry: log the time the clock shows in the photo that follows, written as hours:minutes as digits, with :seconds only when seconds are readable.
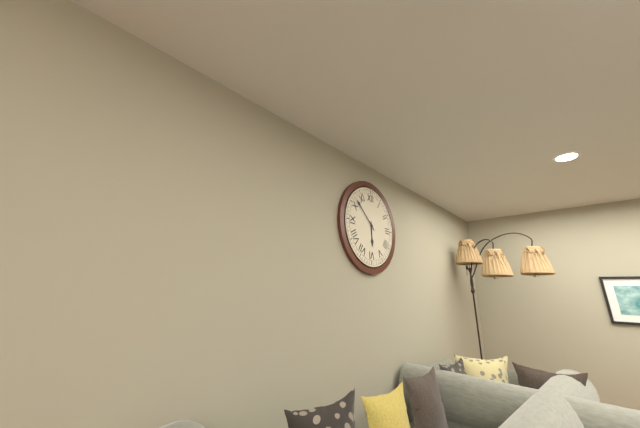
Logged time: 5:52
